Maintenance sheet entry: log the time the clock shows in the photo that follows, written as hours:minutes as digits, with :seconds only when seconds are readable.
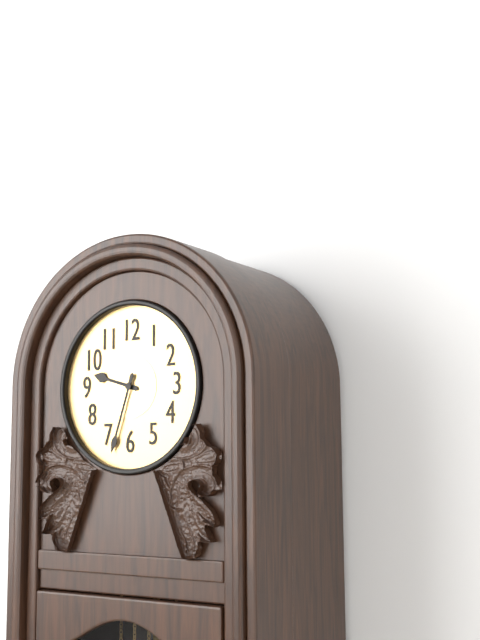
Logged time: 9:33
